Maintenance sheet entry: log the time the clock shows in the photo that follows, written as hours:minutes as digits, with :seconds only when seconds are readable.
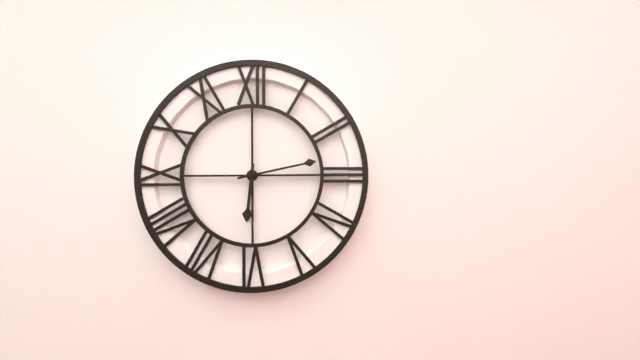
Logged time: 6:13
